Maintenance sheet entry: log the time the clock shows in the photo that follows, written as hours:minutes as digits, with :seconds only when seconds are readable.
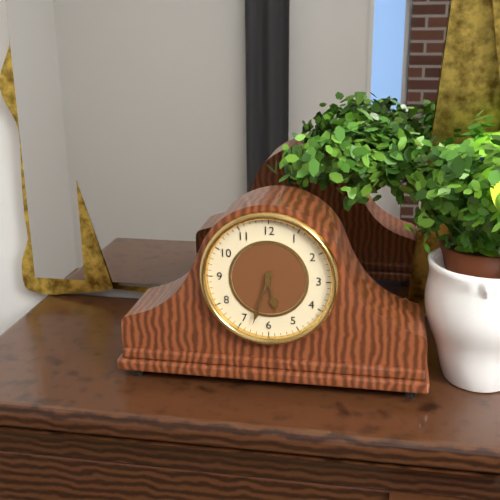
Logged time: 5:33
